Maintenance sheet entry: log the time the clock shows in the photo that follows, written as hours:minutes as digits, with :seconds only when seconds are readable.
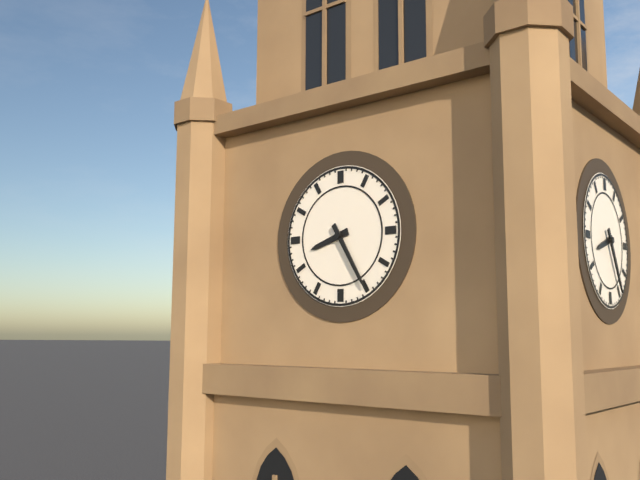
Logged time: 8:25
